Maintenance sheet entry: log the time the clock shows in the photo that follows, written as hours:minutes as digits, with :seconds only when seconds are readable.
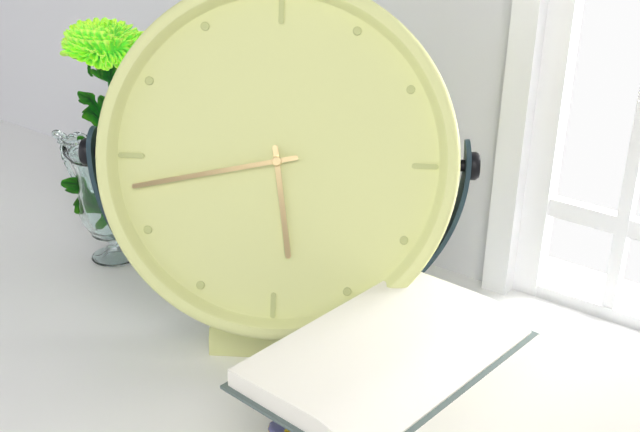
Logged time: 5:43
